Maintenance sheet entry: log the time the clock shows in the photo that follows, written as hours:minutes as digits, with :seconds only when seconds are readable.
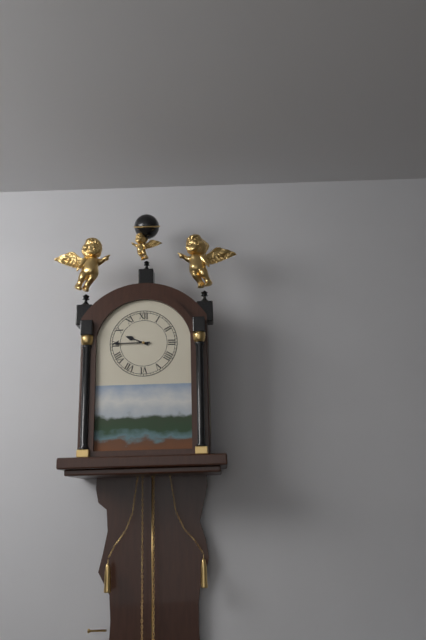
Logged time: 9:45
